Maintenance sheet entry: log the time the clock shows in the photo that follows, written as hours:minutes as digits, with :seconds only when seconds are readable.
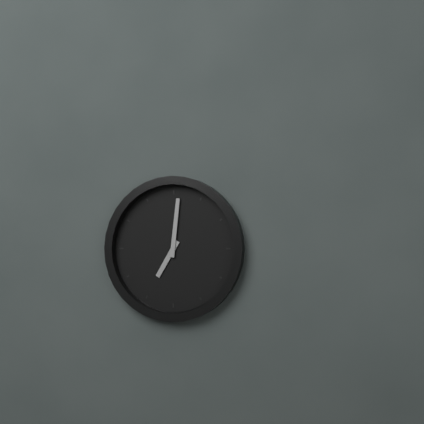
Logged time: 7:01
